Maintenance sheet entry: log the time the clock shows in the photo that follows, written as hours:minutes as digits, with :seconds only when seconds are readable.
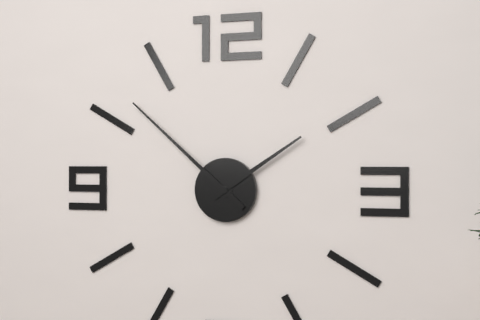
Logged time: 1:52
